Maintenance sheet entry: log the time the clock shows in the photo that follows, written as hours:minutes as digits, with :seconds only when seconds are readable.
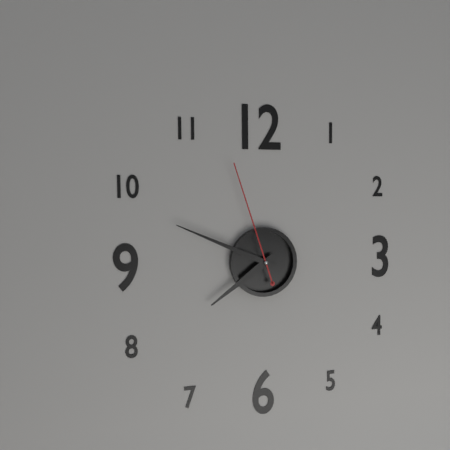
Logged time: 7:49:57
